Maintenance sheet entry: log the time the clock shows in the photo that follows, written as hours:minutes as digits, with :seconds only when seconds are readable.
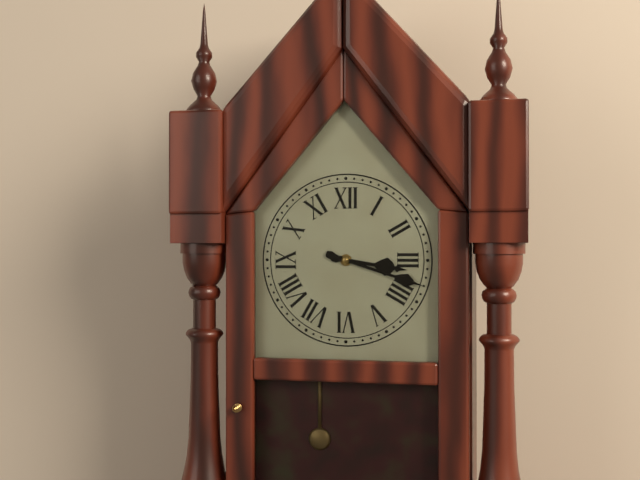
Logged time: 3:18
